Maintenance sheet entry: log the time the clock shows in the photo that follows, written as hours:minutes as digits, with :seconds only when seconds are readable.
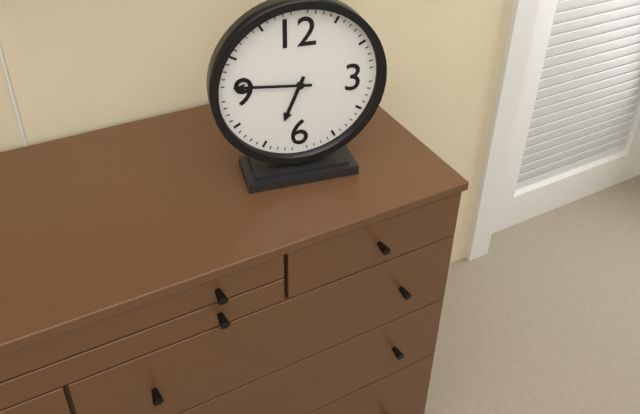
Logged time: 6:46
